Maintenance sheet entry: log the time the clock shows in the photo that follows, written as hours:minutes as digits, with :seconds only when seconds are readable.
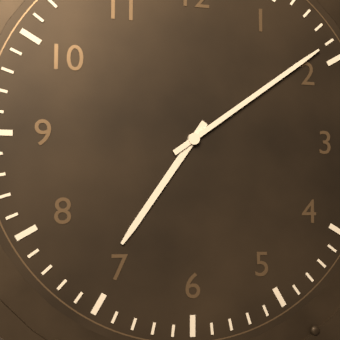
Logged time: 7:09
